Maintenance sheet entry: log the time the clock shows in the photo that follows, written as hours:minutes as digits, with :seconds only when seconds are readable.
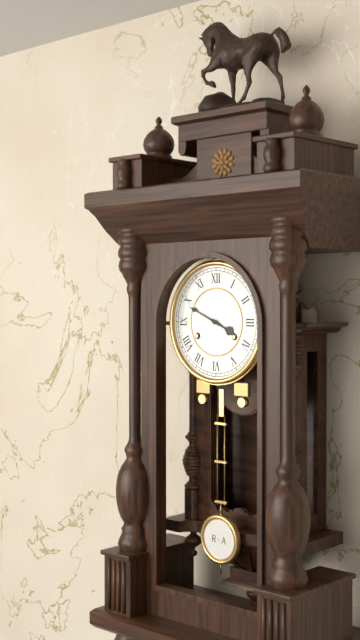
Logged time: 3:49
